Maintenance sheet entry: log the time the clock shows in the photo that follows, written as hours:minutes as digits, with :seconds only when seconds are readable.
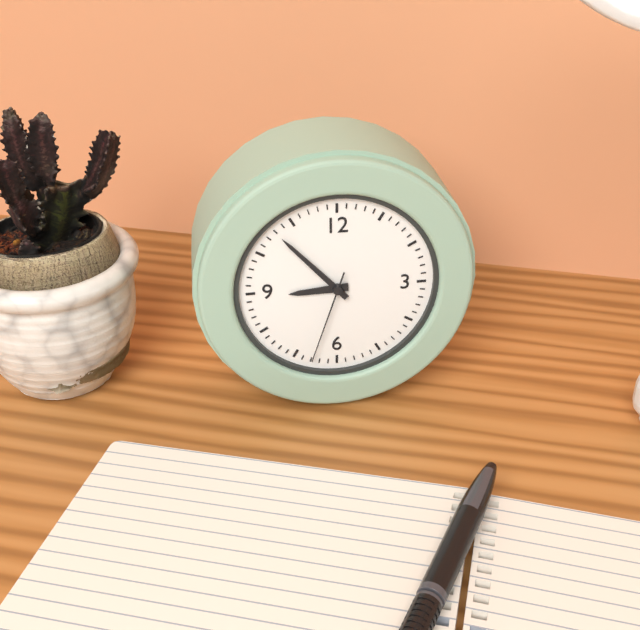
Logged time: 8:53:33
